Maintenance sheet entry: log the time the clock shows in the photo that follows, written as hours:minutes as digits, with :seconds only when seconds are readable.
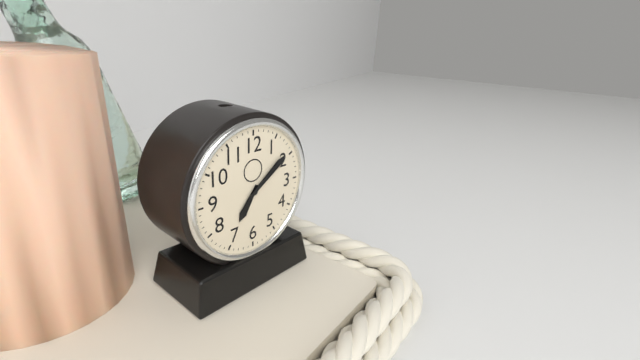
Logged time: 7:09
